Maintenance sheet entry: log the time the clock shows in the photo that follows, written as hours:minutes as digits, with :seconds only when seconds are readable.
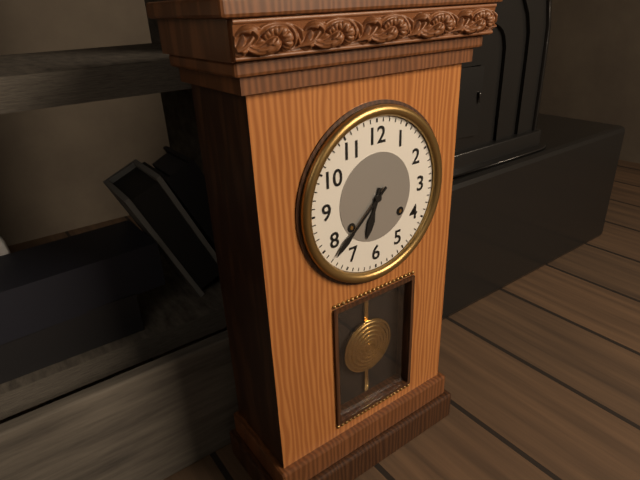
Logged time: 6:38
